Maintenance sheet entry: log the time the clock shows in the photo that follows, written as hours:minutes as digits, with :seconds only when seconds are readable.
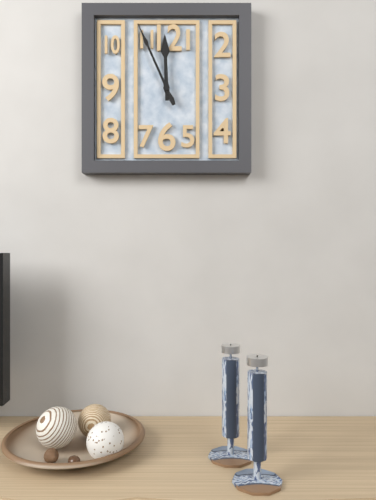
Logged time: 11:56
